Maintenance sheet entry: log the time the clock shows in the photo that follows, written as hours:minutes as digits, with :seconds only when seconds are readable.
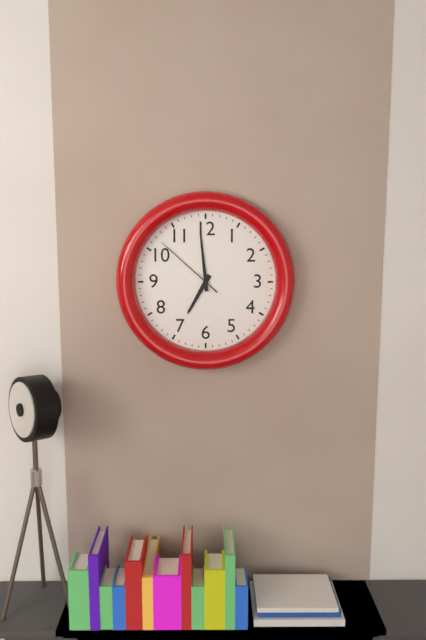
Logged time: 6:59:52
